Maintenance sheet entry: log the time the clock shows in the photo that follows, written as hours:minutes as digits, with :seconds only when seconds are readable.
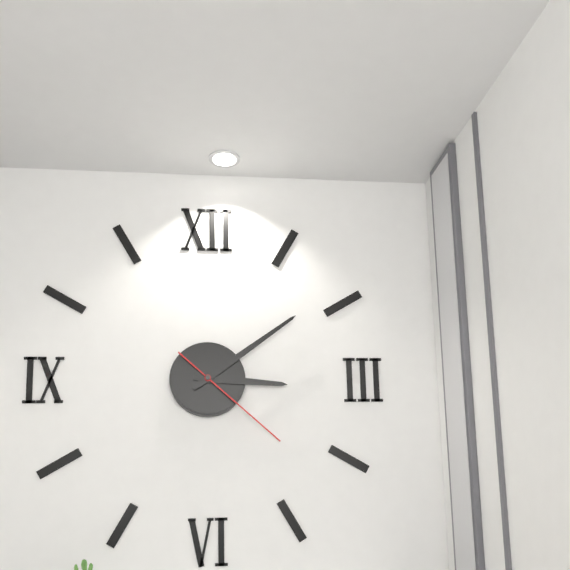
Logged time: 3:09:22
